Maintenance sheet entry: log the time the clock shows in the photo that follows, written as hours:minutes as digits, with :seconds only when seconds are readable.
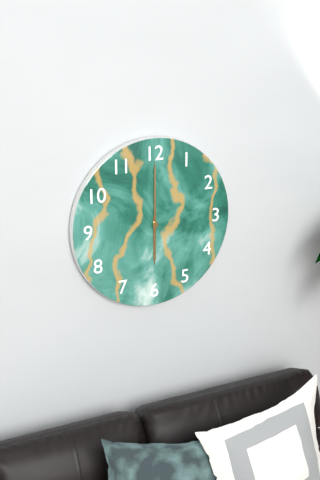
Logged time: 6:00
